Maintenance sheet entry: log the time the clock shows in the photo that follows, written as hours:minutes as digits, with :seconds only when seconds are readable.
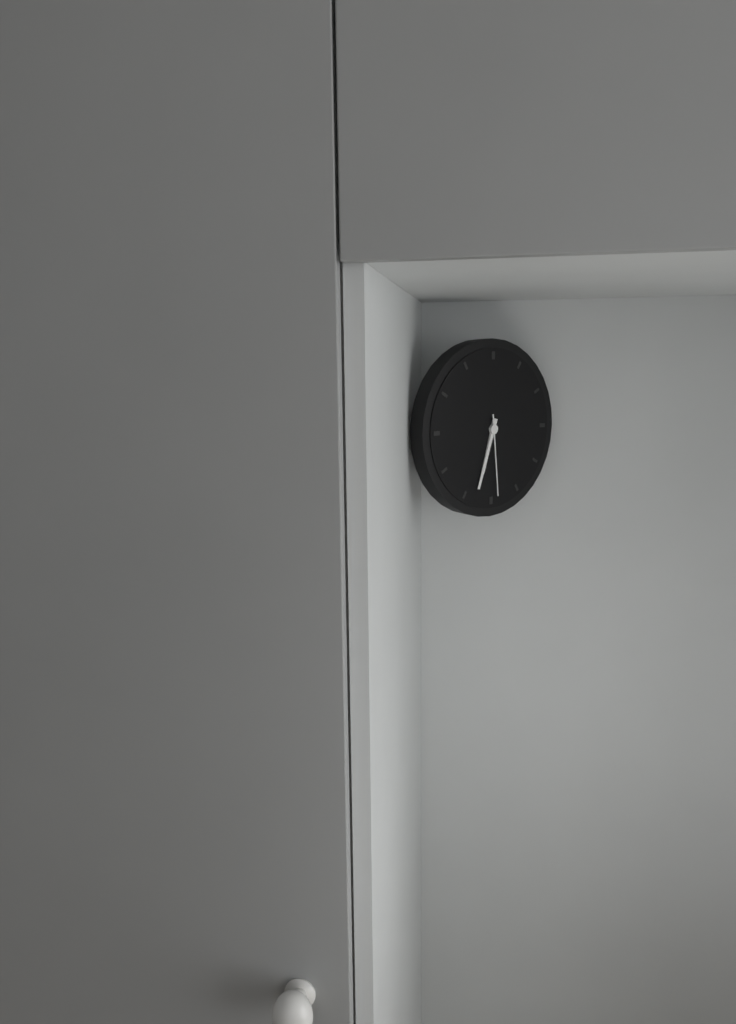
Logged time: 6:33:29
